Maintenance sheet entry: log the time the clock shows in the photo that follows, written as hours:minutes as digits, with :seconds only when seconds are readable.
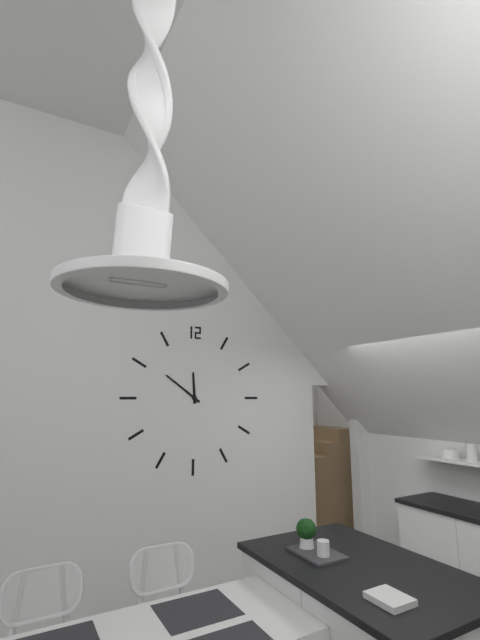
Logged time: 11:51
